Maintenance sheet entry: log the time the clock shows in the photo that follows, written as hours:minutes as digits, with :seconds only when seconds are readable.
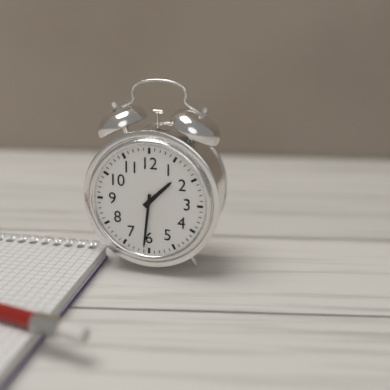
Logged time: 1:31
